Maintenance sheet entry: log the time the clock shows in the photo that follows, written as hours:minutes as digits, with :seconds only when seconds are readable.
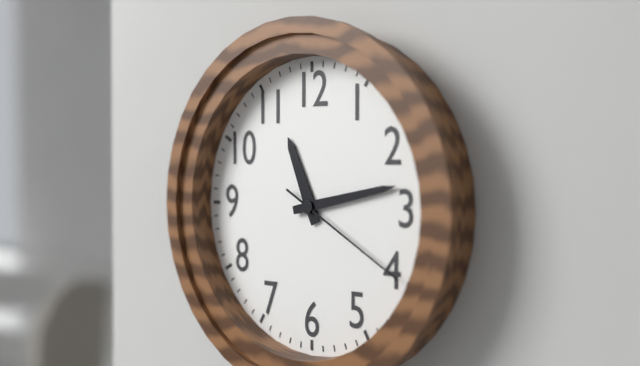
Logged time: 11:13:20
